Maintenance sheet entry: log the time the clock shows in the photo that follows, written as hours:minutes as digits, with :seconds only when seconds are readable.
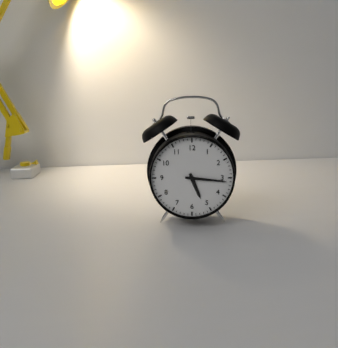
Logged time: 5:16
